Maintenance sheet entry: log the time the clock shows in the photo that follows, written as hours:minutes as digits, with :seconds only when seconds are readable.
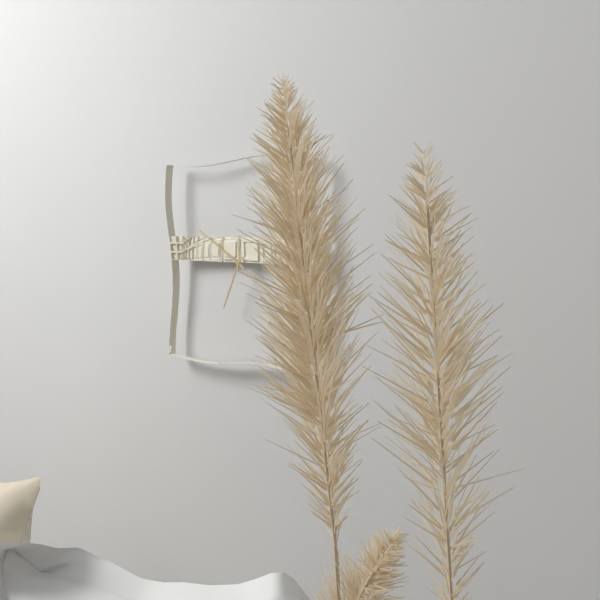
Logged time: 6:50
